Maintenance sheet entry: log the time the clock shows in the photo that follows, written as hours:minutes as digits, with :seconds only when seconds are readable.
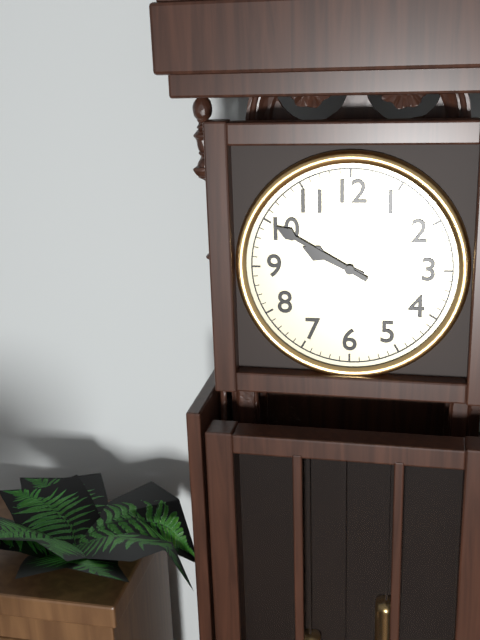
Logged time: 9:50
